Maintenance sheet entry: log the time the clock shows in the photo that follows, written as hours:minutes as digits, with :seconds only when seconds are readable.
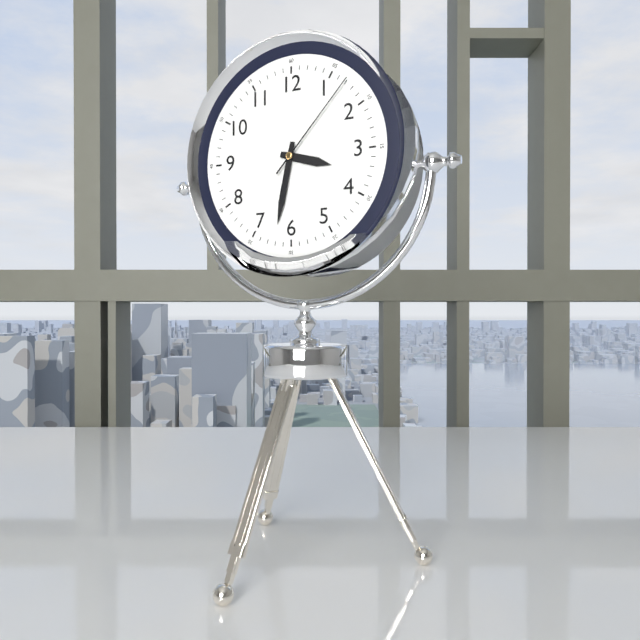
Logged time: 3:32:07
